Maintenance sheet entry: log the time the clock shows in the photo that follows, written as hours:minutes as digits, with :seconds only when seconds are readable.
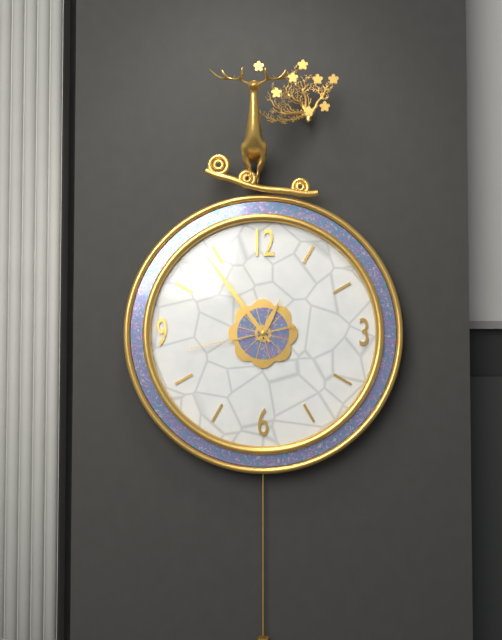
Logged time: 12:54:43
